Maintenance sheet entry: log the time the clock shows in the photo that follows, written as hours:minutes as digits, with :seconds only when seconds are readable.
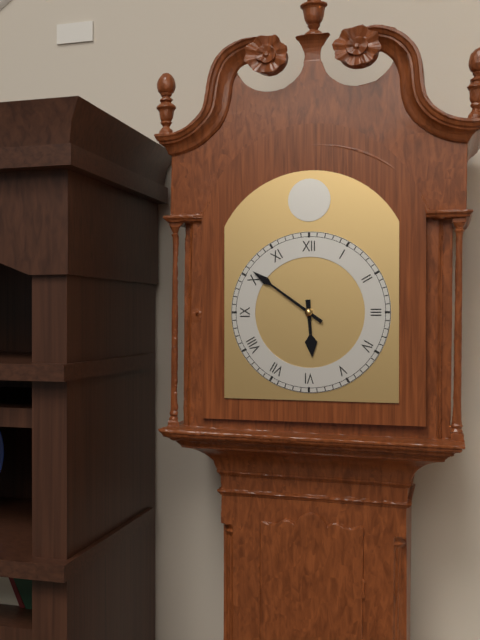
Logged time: 5:51
